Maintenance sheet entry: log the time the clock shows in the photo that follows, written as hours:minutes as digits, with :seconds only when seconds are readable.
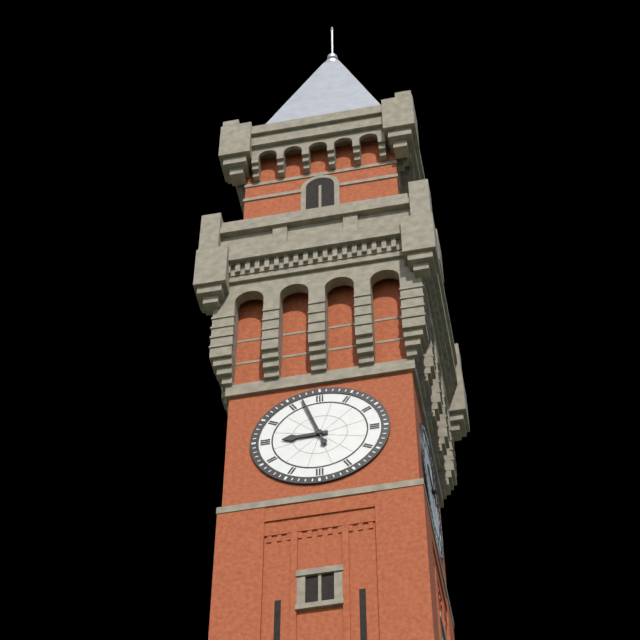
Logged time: 8:57
